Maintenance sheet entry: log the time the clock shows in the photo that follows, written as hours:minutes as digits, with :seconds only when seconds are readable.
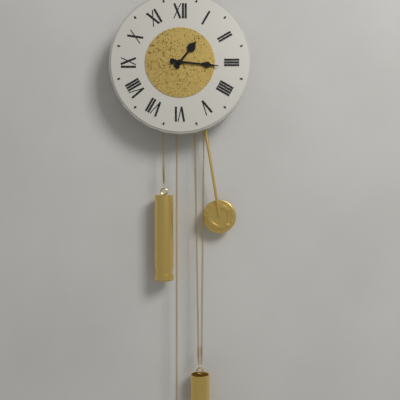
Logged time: 1:16
